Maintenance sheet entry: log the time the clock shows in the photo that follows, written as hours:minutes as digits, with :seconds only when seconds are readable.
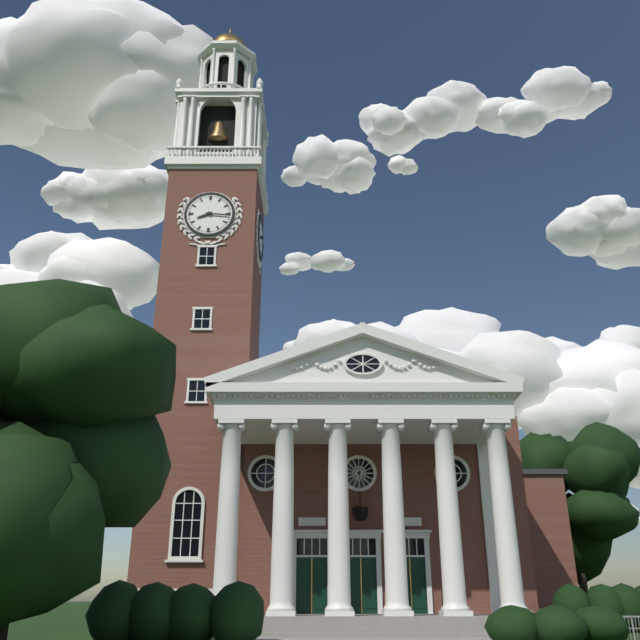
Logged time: 8:16
